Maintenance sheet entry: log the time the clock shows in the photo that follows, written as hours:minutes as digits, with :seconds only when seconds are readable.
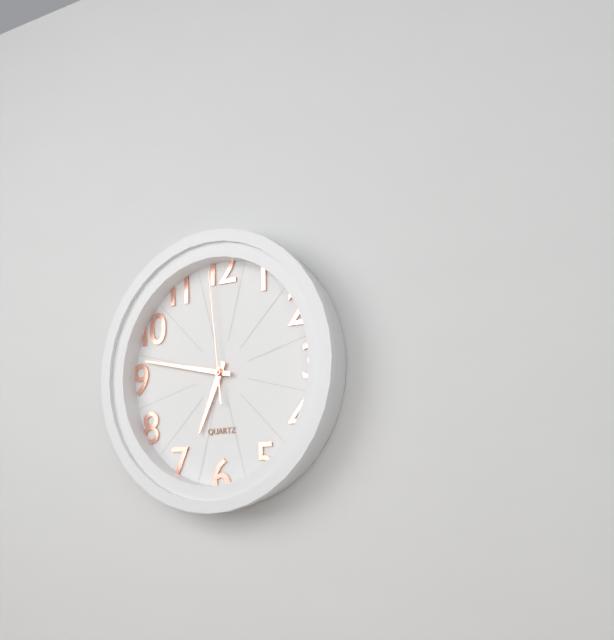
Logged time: 6:47:59
